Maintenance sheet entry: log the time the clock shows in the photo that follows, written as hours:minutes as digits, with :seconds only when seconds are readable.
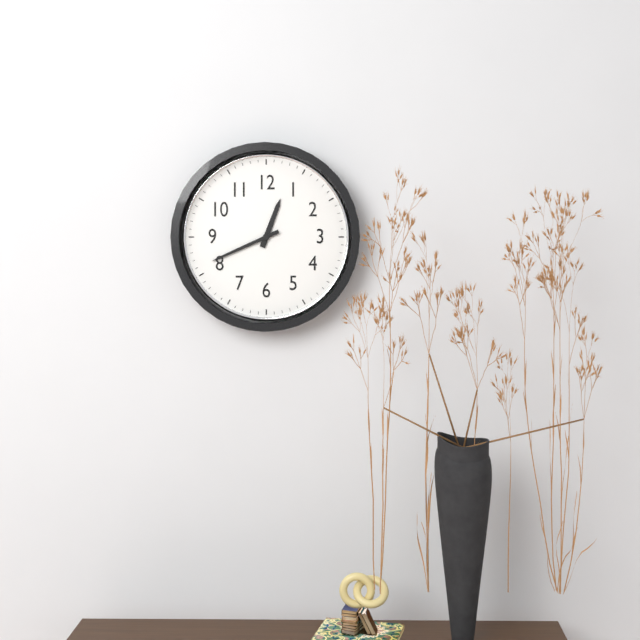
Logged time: 12:41
